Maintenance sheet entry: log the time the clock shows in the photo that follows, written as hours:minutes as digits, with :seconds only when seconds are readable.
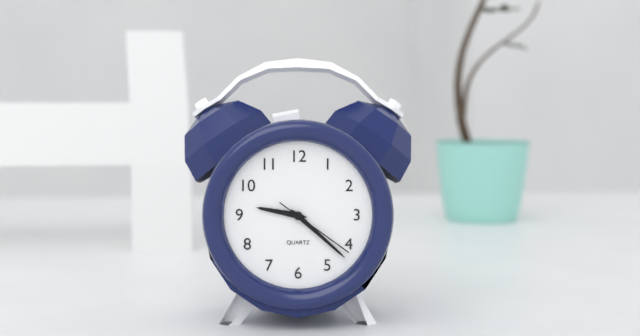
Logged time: 9:22:21
